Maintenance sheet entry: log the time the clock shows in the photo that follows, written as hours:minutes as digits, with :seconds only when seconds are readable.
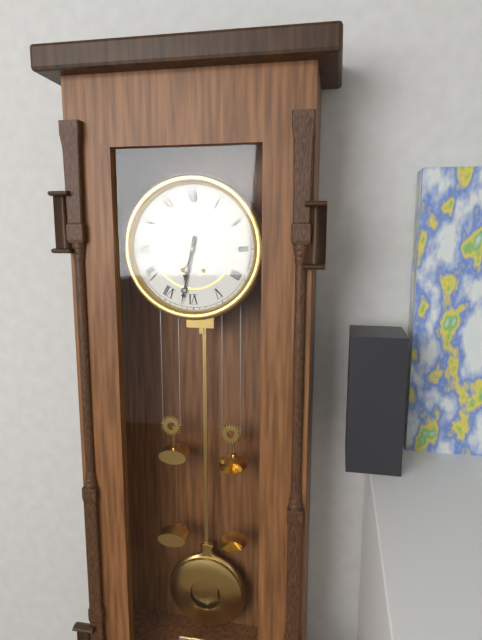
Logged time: 6:32
